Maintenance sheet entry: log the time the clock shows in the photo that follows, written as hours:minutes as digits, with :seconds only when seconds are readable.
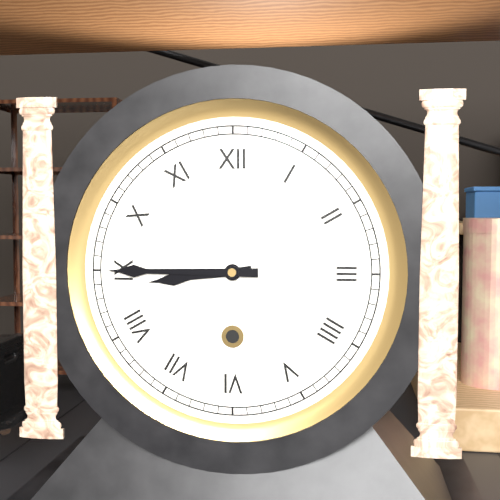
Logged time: 8:45
